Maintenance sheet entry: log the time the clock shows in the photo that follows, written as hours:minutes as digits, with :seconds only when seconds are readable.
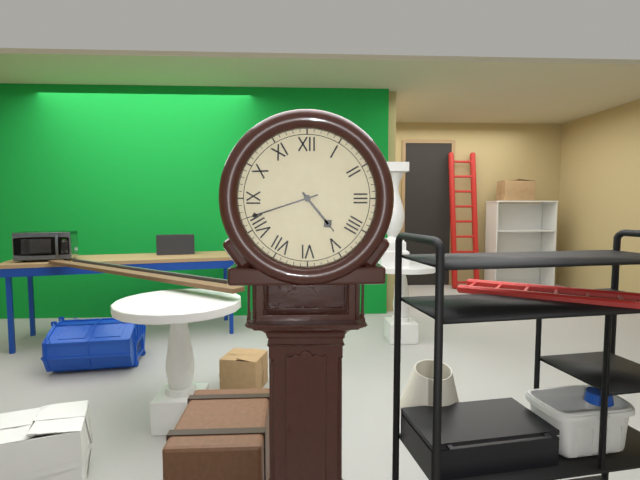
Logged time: 4:42
